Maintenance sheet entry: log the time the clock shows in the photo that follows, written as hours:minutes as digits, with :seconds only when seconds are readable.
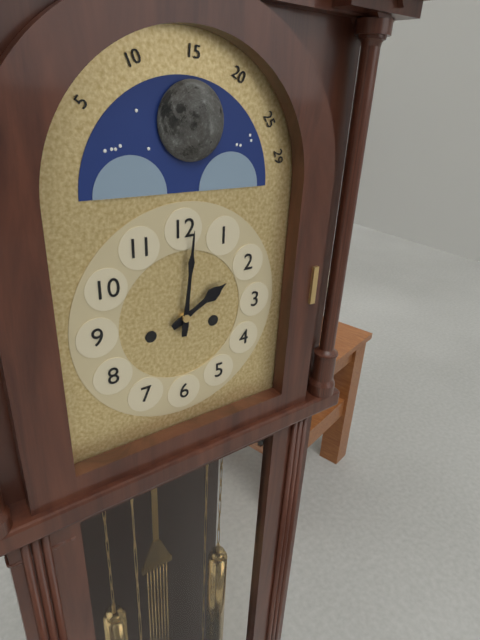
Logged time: 2:01
